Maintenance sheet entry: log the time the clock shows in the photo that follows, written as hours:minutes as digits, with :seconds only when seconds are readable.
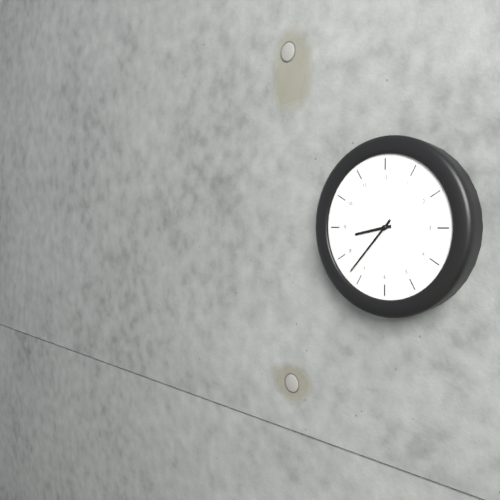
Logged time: 8:37
